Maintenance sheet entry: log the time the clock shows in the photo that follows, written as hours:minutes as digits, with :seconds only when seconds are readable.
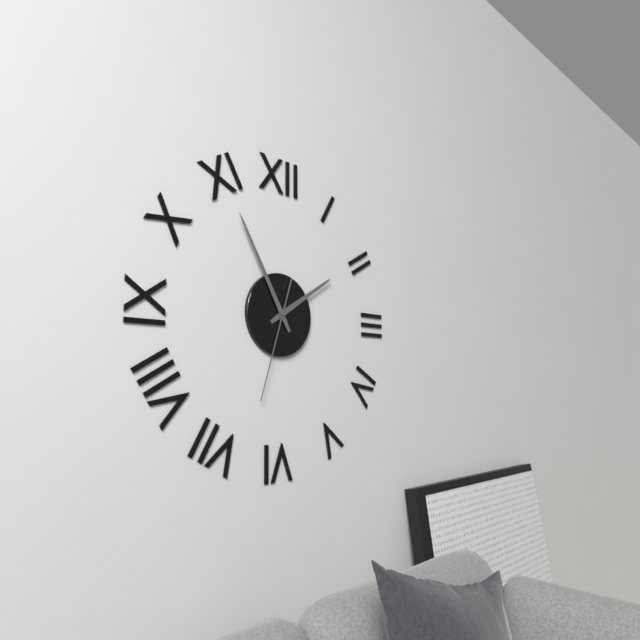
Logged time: 1:55:33
